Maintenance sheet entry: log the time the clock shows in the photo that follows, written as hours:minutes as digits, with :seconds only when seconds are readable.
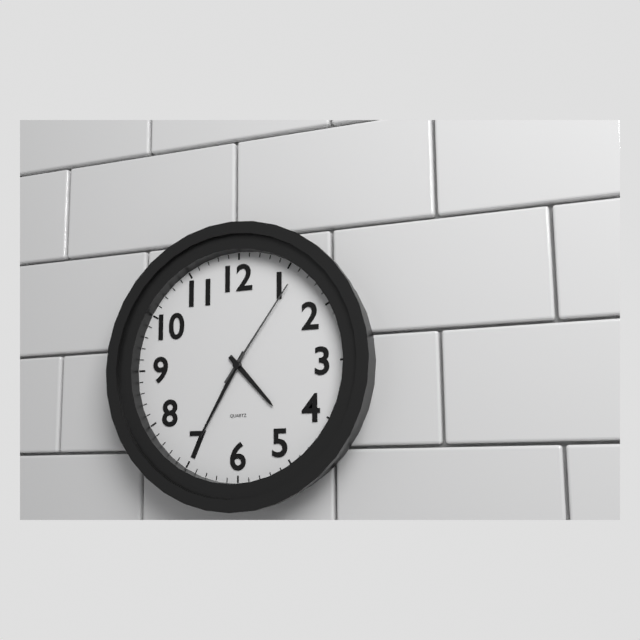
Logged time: 4:35:06
